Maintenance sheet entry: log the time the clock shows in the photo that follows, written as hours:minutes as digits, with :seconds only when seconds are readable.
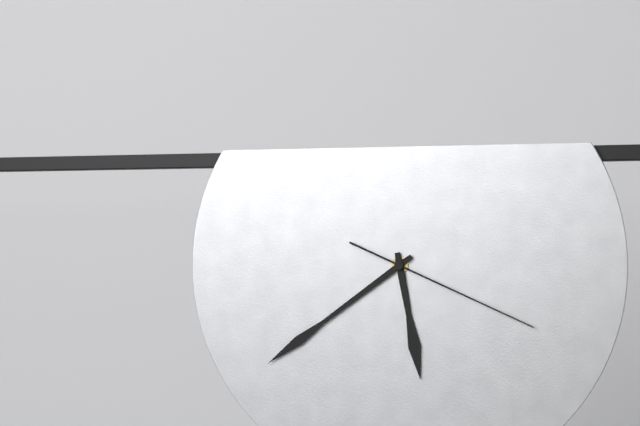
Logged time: 5:39:19
